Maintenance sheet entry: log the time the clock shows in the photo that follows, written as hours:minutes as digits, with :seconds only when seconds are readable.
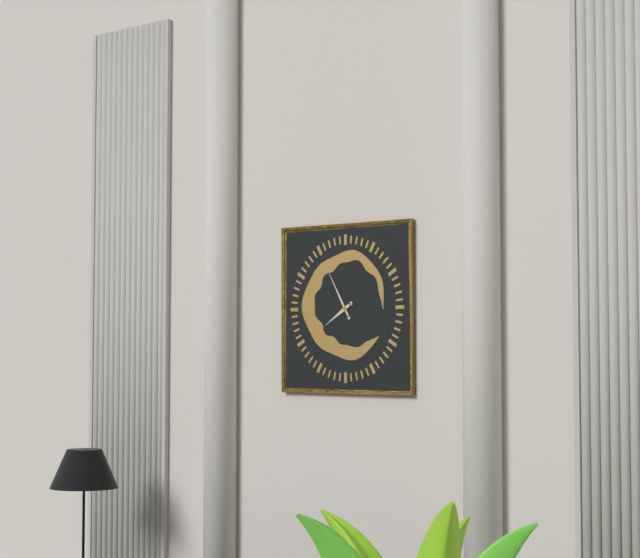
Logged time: 7:55
